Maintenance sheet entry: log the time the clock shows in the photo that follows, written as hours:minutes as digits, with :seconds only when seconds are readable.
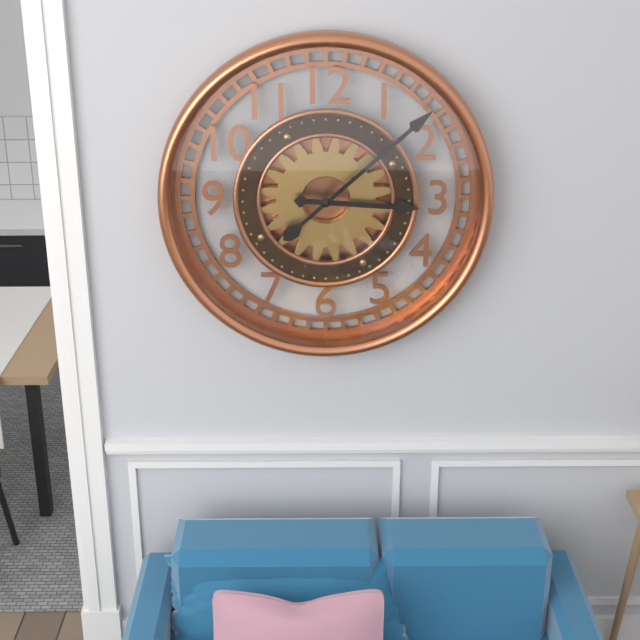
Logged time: 3:08
